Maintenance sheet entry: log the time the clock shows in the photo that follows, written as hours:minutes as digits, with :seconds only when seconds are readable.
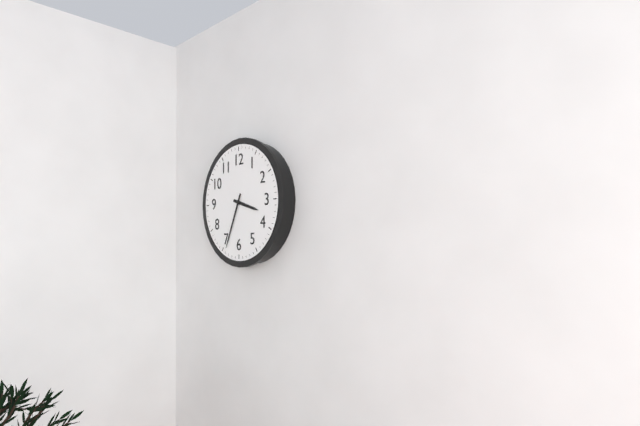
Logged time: 3:34
